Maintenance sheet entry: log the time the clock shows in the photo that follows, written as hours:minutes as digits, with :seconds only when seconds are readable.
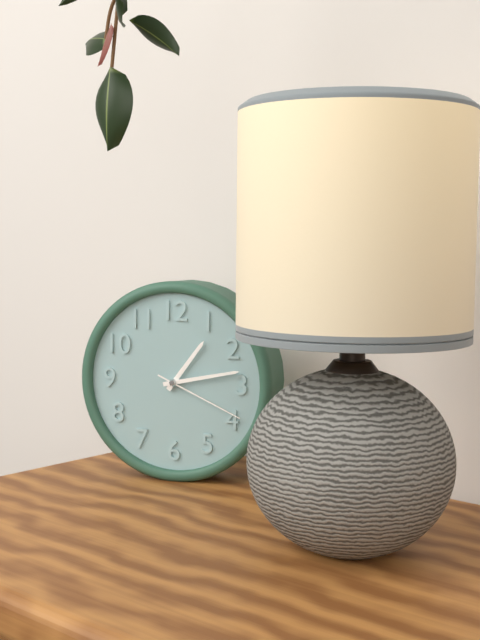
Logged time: 1:13:19
